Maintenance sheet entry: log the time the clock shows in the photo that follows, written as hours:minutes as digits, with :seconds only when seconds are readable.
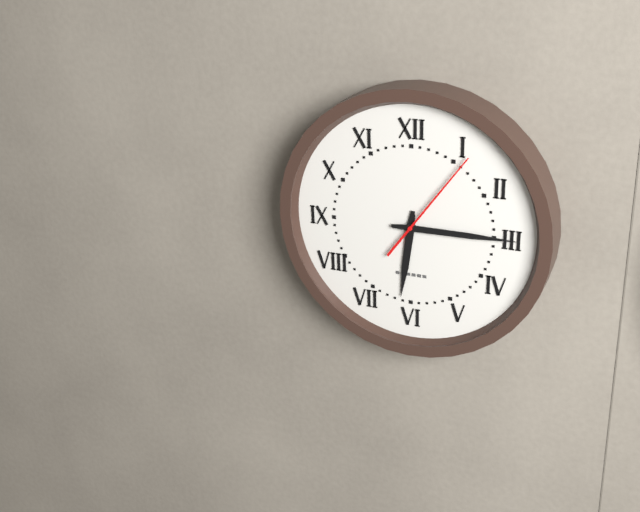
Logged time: 6:15:06
